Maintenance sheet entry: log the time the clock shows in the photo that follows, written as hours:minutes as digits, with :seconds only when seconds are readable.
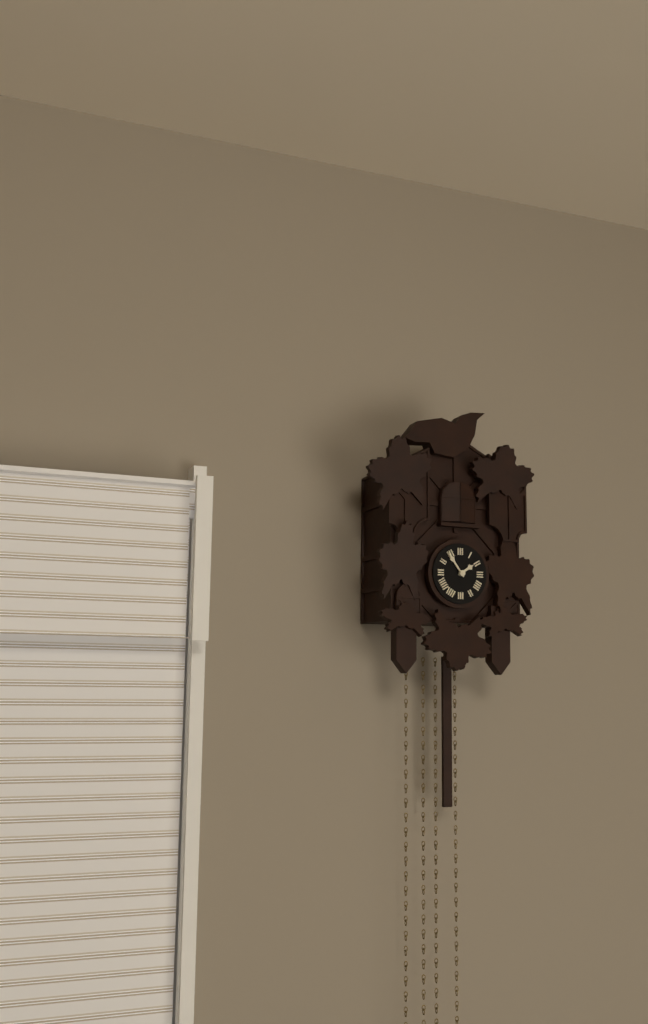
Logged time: 1:54
